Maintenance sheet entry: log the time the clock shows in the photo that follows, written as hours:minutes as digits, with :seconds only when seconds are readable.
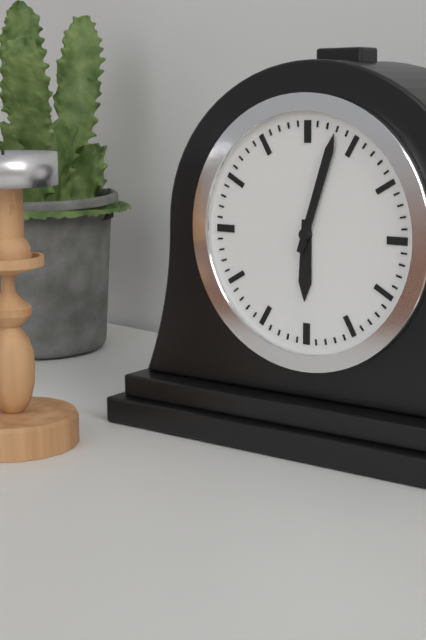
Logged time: 6:03
